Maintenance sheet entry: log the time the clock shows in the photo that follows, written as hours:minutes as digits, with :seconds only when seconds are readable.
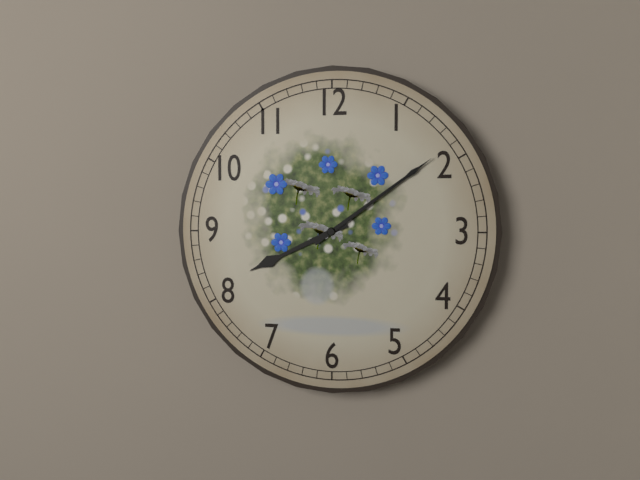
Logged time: 8:09
